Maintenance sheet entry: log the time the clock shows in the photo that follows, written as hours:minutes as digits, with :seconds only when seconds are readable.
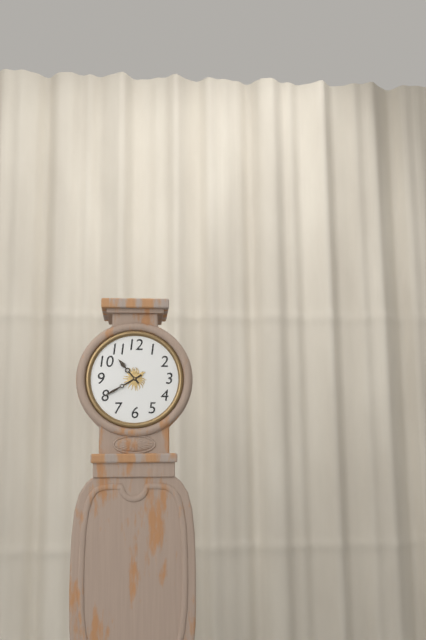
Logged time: 10:40
